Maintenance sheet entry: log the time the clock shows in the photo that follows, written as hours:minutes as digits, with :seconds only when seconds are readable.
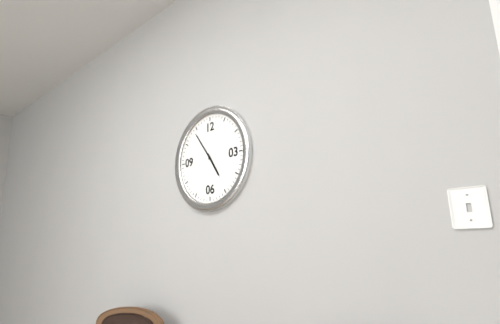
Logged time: 4:54
